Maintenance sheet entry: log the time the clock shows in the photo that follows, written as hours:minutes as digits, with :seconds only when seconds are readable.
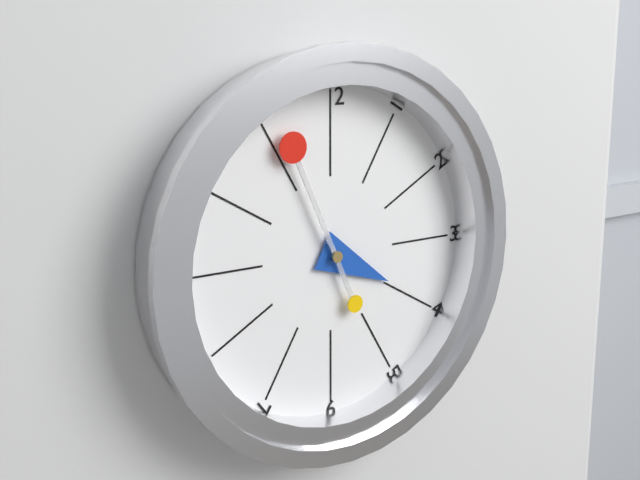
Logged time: 3:56
